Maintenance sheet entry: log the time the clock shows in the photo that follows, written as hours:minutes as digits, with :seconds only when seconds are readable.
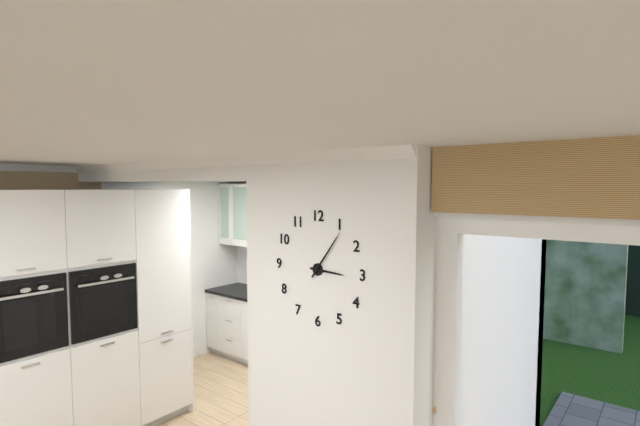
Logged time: 3:06
